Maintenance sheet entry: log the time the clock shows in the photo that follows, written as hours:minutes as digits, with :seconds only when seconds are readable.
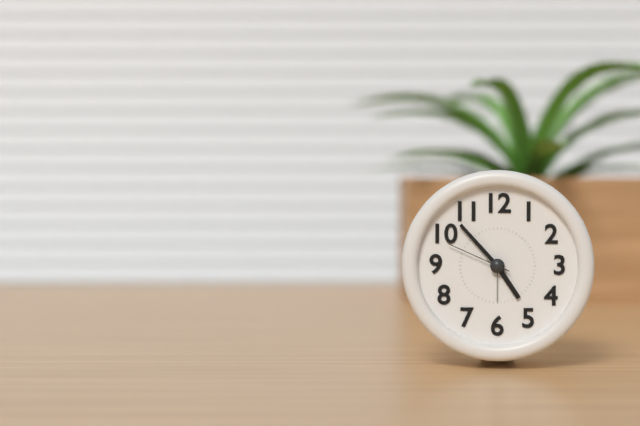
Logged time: 4:53:49
